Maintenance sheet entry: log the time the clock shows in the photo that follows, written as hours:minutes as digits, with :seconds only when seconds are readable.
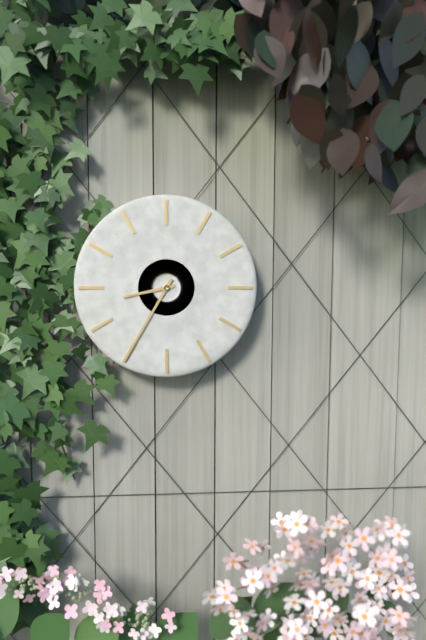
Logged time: 8:35
